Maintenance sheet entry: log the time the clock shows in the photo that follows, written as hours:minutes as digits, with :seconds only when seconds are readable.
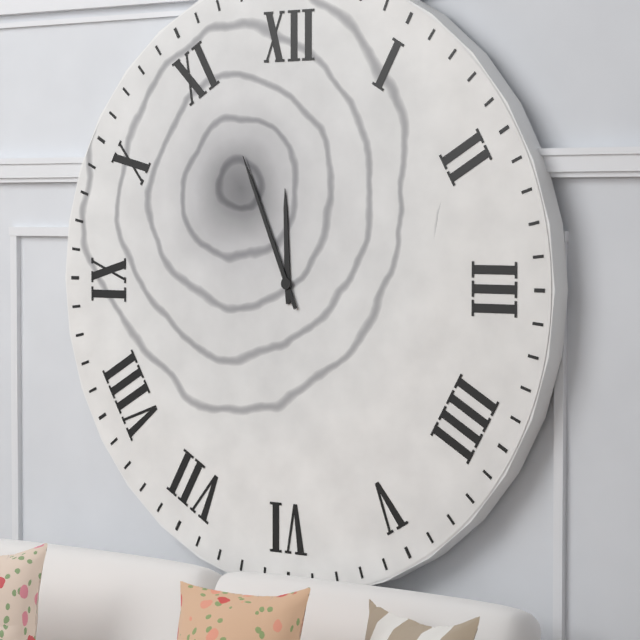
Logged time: 11:56
